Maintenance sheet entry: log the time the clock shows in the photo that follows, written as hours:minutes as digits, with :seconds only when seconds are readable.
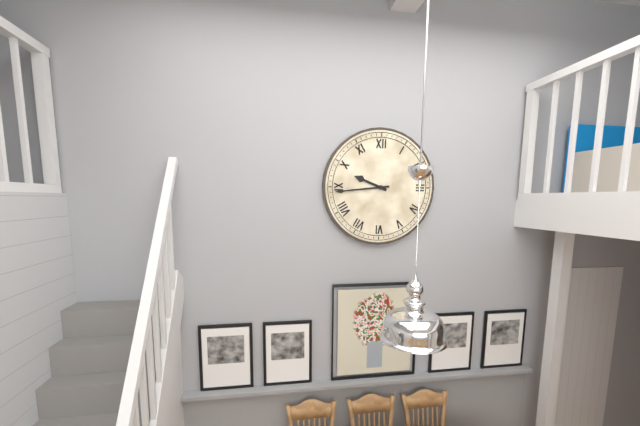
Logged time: 9:44
